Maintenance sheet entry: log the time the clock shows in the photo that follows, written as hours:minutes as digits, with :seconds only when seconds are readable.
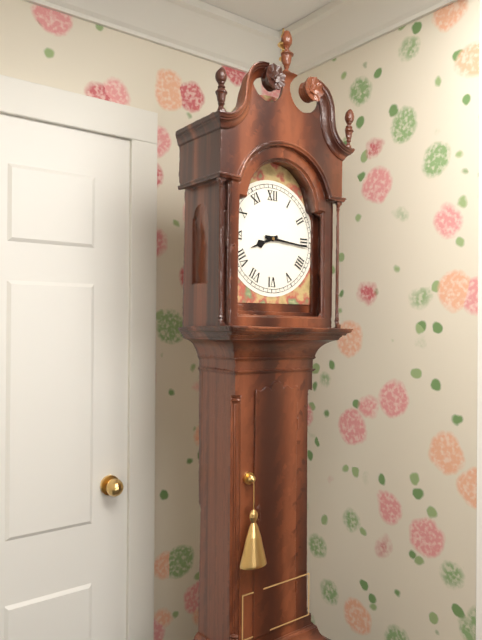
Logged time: 8:16
